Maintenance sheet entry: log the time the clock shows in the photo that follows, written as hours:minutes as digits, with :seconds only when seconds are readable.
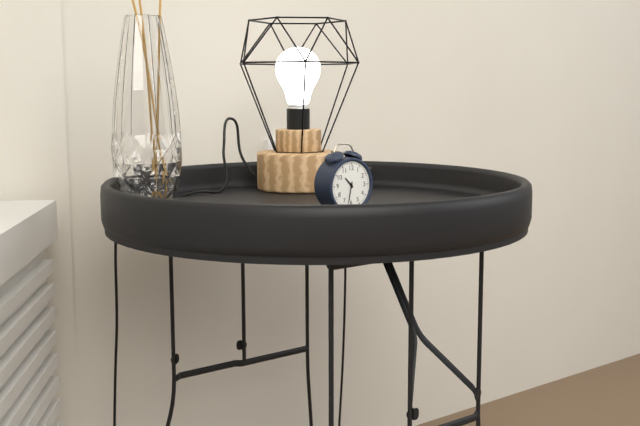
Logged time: 10:32
